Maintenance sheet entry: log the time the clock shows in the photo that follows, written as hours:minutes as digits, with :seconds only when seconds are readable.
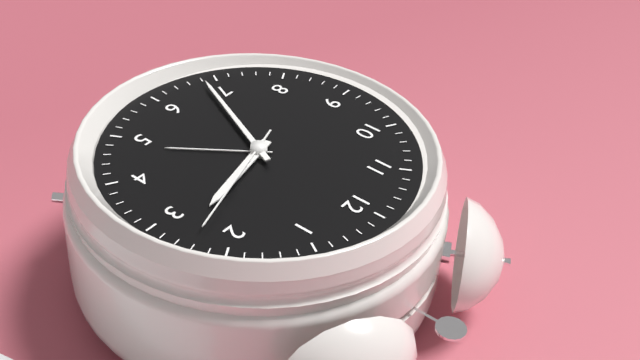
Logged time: 2:34:12
